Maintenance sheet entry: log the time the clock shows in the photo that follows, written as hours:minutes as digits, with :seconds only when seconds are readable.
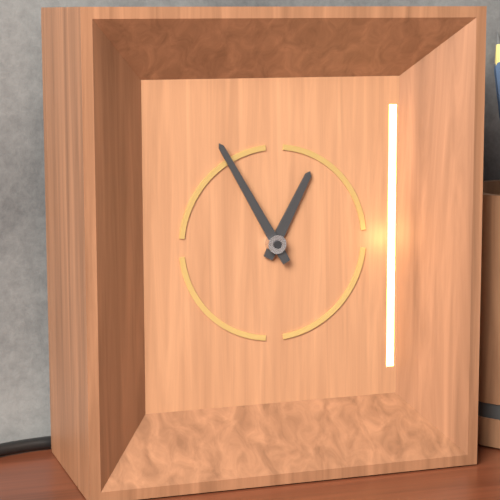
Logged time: 12:55
